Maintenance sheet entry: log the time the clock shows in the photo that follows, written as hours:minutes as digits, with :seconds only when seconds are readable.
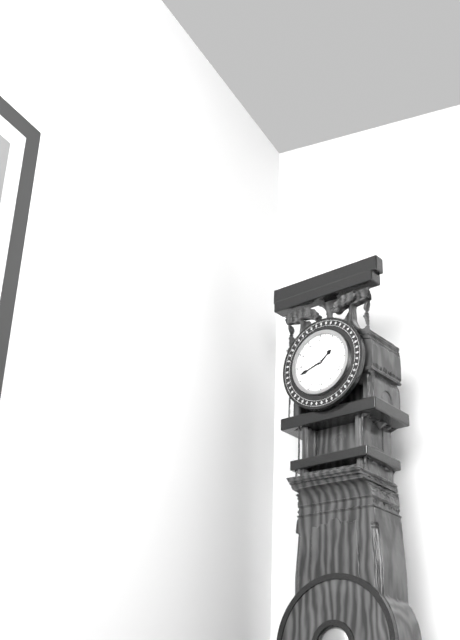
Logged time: 1:42
